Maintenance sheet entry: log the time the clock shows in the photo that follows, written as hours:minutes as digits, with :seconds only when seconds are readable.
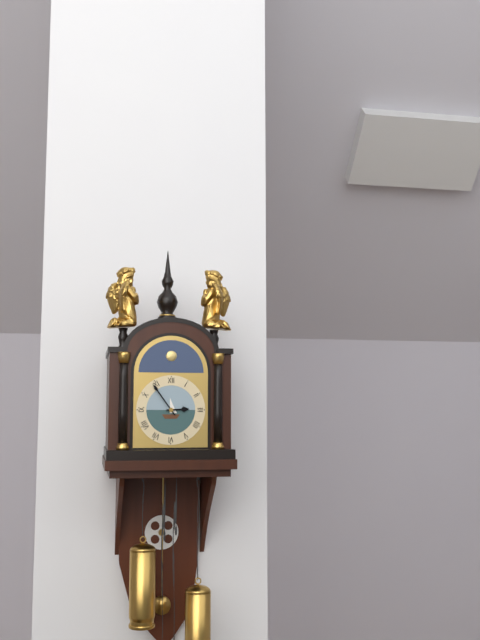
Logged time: 2:54
